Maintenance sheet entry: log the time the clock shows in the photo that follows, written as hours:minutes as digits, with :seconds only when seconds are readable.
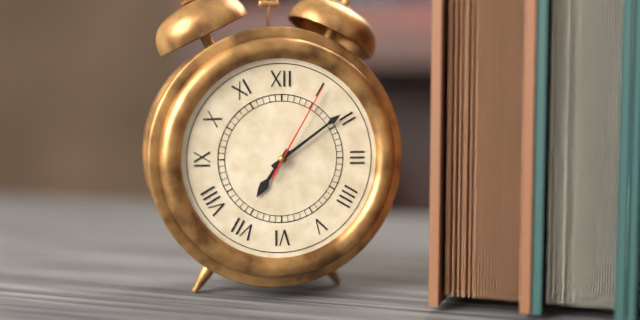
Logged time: 7:09:05
